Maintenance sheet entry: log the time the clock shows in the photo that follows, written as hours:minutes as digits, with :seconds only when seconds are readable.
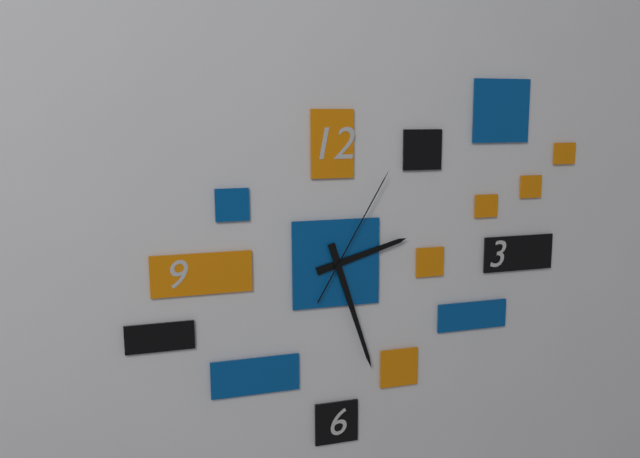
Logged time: 2:27:05
